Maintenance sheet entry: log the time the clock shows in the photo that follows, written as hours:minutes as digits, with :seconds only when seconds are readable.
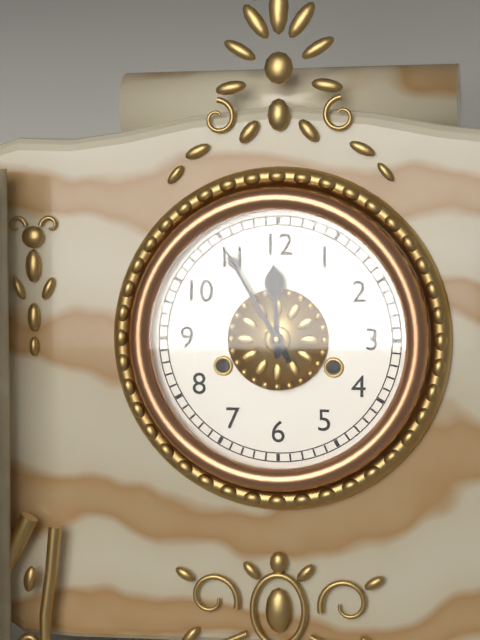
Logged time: 11:55
